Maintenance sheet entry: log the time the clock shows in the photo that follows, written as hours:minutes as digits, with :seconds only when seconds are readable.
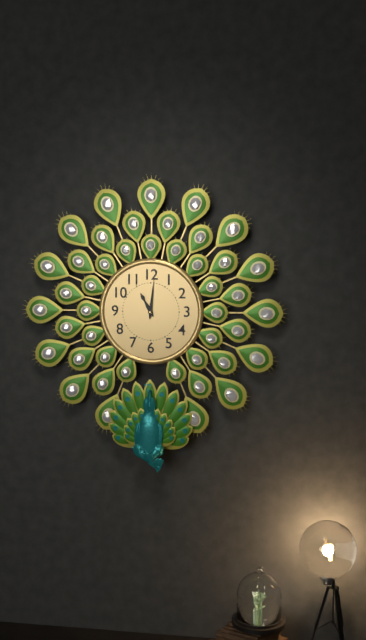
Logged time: 11:01
